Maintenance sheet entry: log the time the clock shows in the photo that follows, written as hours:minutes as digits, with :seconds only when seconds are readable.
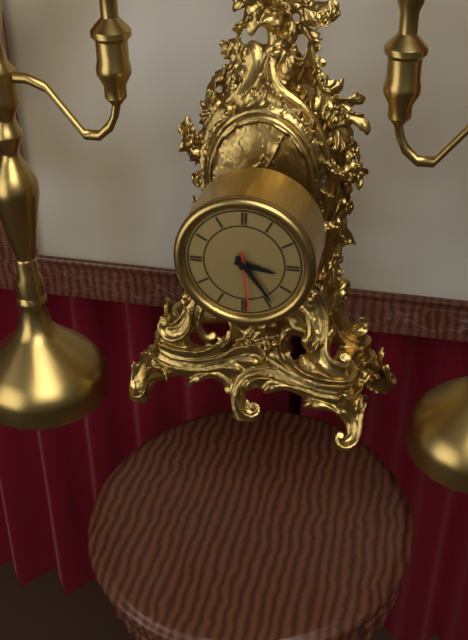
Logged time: 3:24:29
